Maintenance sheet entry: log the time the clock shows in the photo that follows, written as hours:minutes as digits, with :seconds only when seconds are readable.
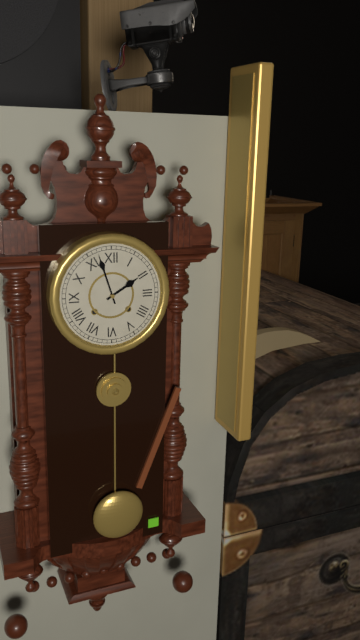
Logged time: 1:57
